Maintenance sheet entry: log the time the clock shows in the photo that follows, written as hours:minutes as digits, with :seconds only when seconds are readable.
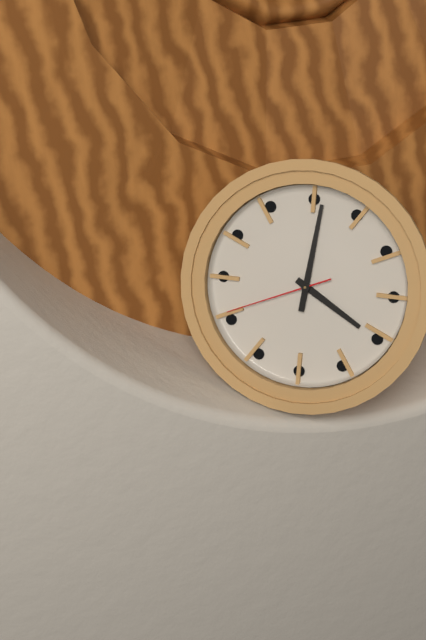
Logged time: 4:01:41
